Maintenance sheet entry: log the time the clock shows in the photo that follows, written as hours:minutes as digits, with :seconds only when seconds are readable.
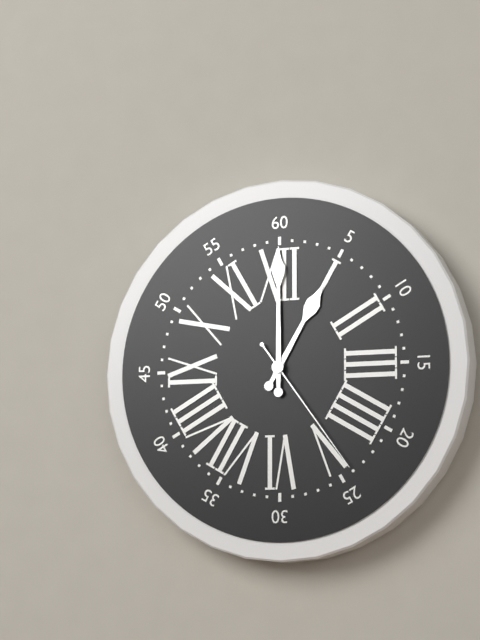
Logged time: 1:00:24
